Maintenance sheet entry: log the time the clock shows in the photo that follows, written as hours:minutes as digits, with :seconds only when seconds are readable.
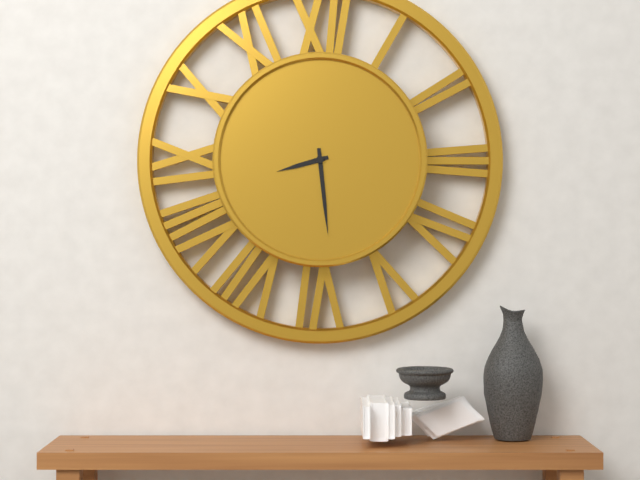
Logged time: 8:29
